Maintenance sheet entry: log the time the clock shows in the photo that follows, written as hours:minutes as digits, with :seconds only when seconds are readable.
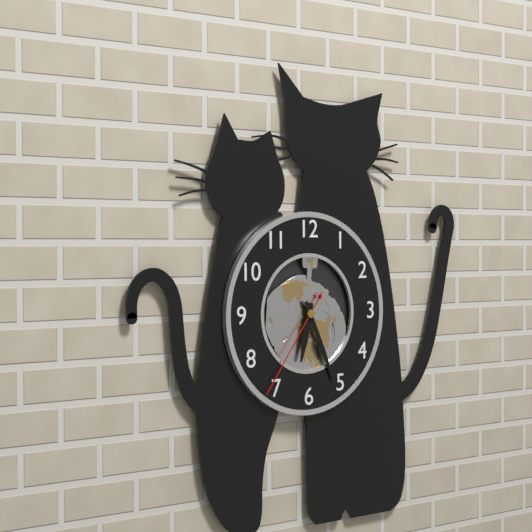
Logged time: 6:26:36
